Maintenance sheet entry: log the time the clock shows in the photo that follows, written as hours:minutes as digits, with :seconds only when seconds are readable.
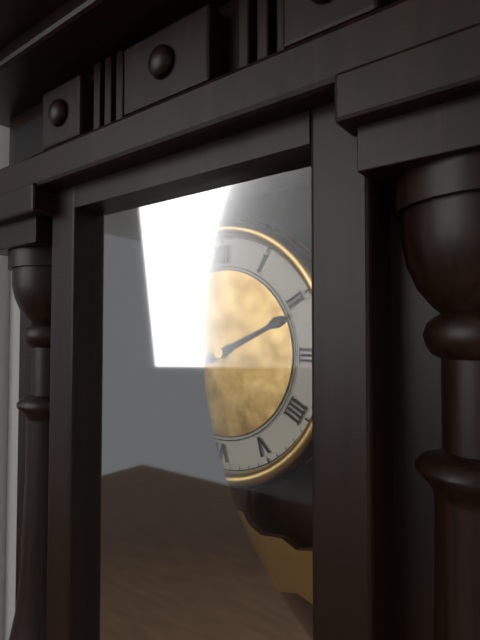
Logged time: 8:11
